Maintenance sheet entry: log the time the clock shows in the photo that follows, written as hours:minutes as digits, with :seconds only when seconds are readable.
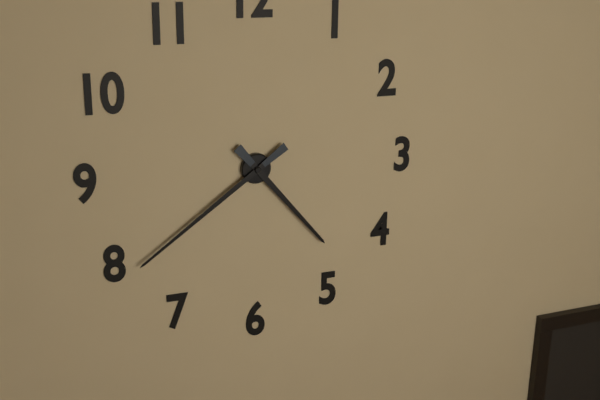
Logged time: 4:39
